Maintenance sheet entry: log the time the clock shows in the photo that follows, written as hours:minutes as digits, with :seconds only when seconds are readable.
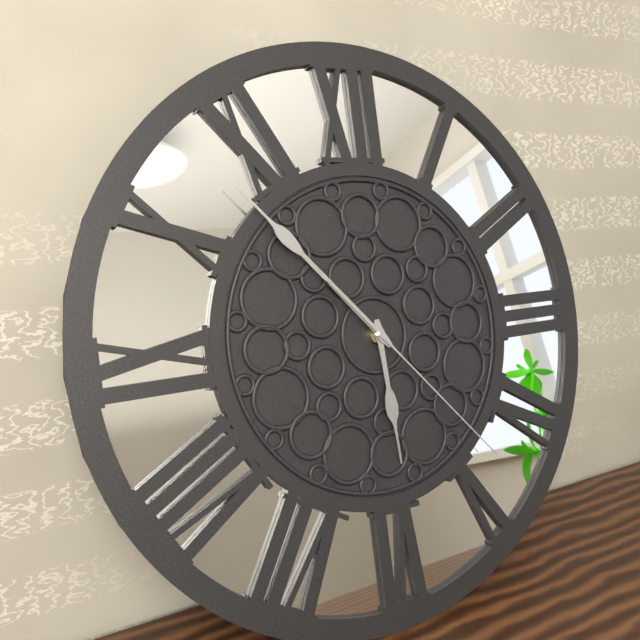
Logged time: 5:53:23
